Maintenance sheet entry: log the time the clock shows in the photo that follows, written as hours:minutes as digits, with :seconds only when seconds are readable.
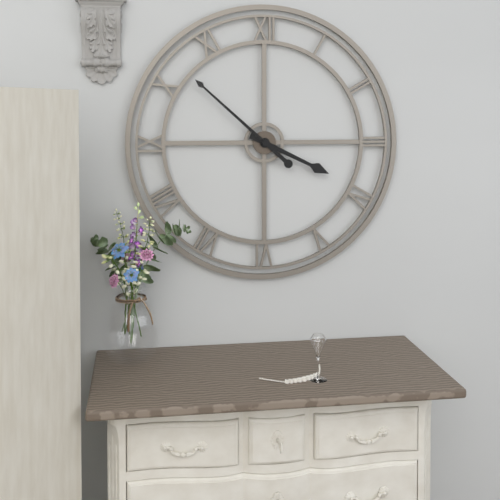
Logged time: 3:52
